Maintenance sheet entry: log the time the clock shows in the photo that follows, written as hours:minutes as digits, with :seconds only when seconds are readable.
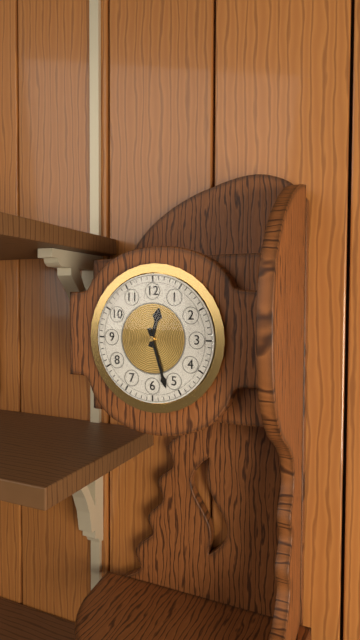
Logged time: 12:27
